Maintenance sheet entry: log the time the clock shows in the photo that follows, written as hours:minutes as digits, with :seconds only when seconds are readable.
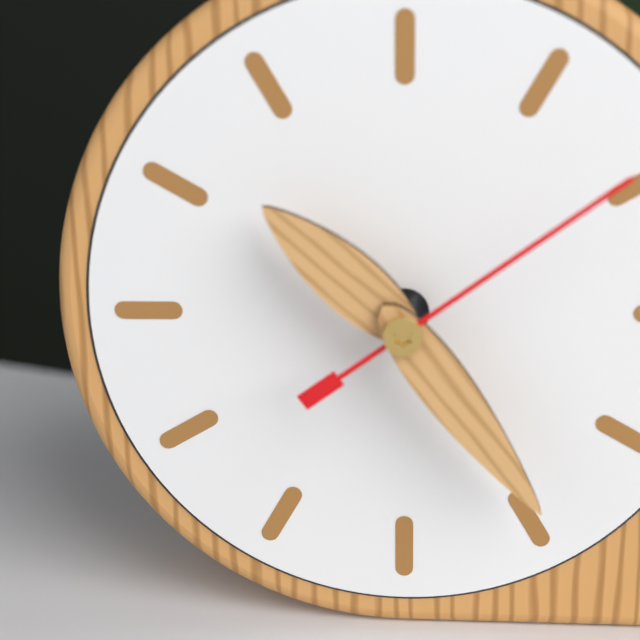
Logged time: 10:24:09
